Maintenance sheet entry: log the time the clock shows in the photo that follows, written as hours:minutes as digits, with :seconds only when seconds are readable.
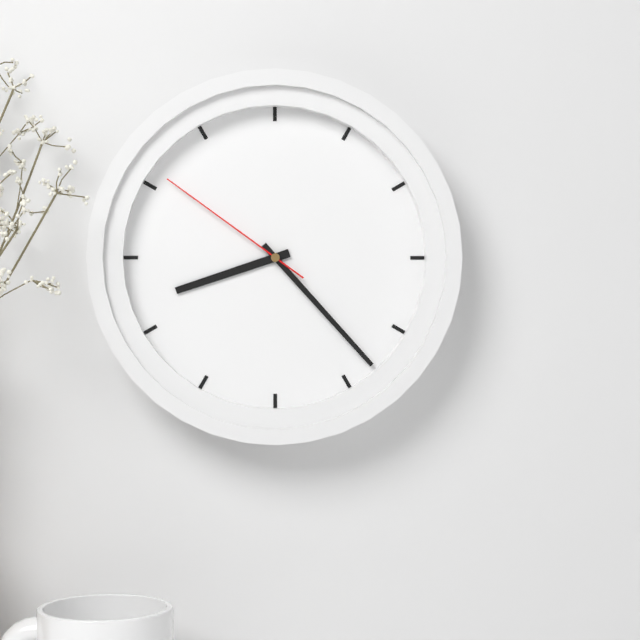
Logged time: 8:23:51
